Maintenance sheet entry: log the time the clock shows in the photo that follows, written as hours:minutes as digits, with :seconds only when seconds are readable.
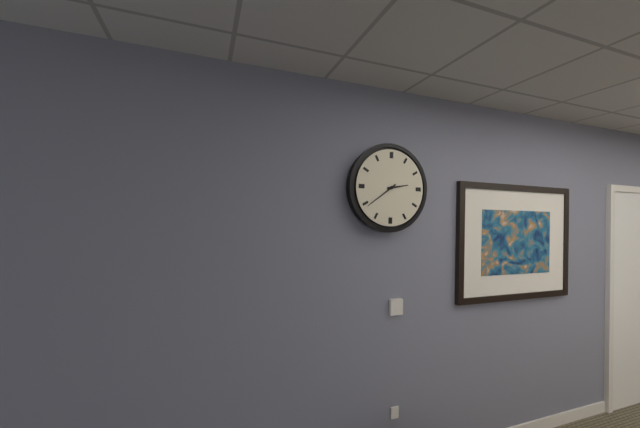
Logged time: 2:39
